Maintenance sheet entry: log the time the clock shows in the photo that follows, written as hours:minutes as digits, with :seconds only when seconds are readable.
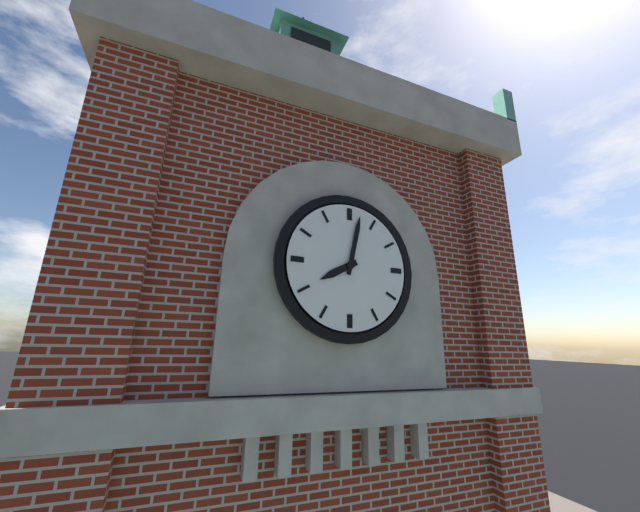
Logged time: 8:02
